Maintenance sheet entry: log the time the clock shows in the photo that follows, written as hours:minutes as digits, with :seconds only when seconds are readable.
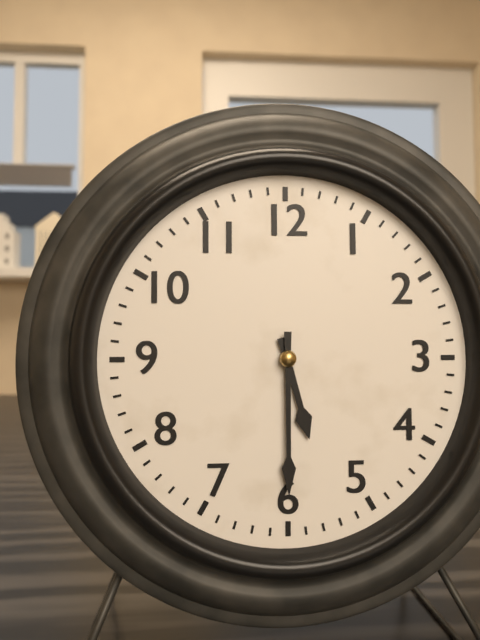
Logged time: 5:30
